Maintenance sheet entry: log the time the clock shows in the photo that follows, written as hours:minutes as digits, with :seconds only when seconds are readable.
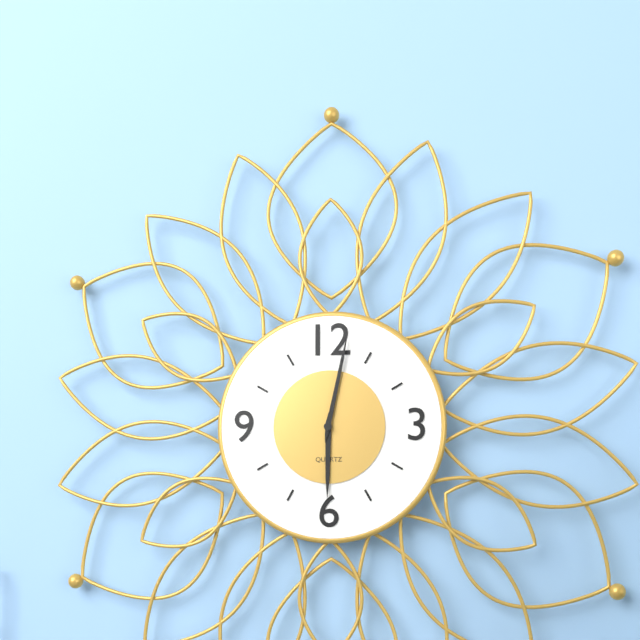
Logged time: 6:02
